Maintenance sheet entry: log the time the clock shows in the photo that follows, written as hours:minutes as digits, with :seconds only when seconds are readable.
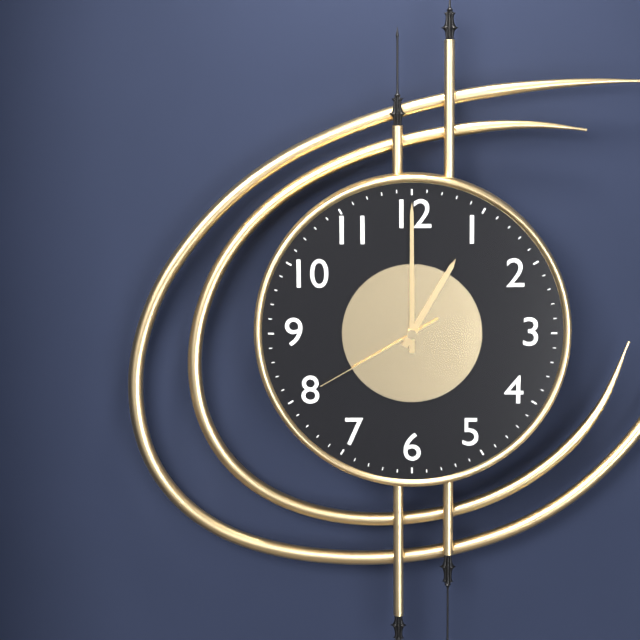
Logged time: 1:00:40
